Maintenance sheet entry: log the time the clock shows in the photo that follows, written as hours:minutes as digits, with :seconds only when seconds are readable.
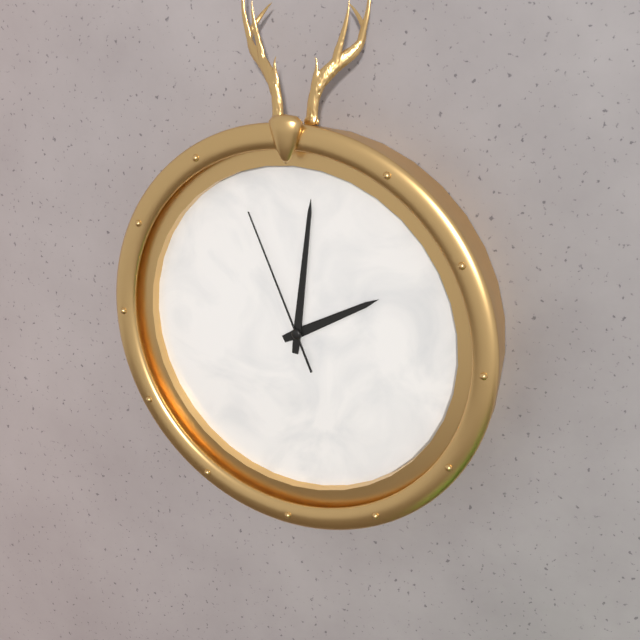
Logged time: 2:01:56
